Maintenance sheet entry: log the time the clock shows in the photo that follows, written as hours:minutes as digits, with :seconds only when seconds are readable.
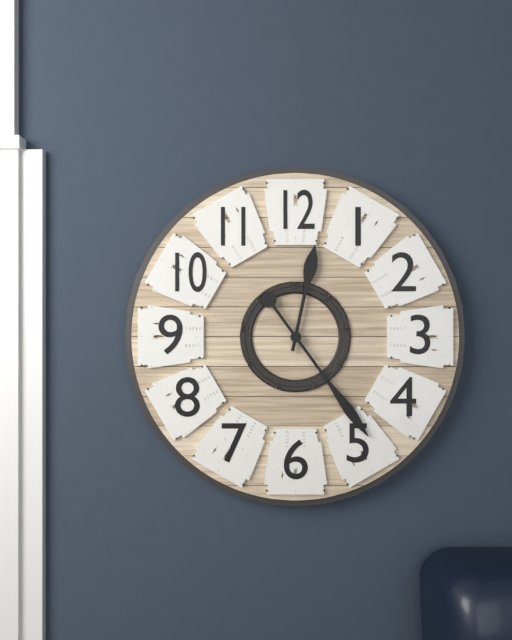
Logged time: 12:24
